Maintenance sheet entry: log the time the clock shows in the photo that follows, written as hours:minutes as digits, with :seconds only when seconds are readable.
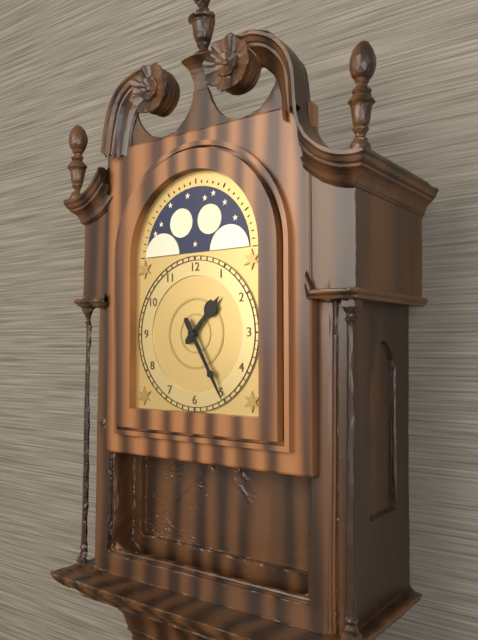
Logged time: 1:25
